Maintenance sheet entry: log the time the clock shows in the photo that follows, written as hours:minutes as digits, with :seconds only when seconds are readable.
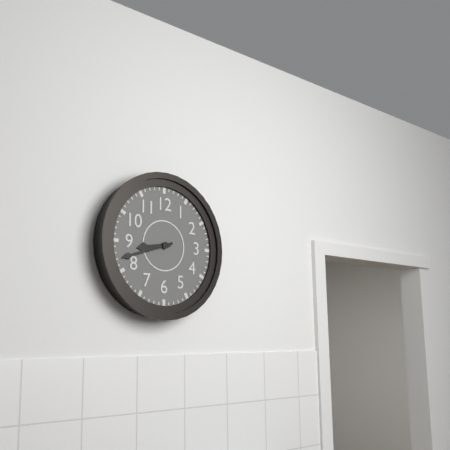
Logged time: 8:42
